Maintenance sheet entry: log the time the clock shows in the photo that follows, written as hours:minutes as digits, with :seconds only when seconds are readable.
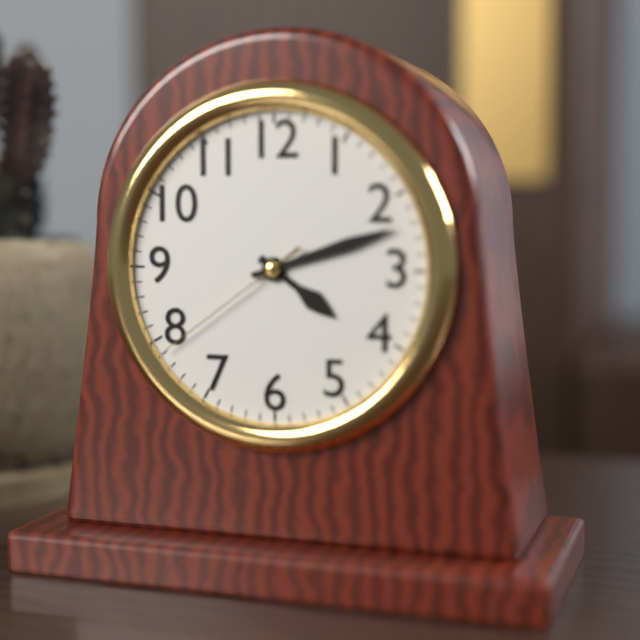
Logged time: 4:12:39
